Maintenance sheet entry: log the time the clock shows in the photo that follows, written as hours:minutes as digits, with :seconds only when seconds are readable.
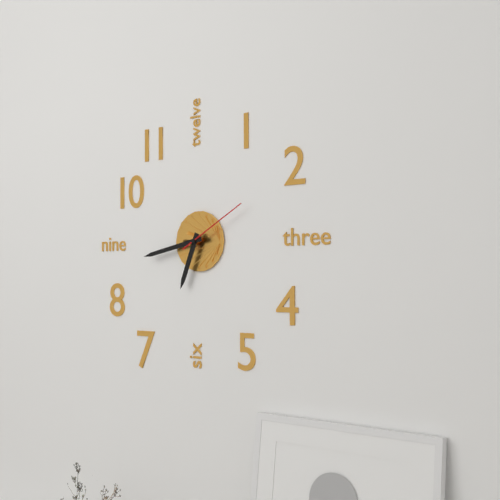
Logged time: 6:43:10
